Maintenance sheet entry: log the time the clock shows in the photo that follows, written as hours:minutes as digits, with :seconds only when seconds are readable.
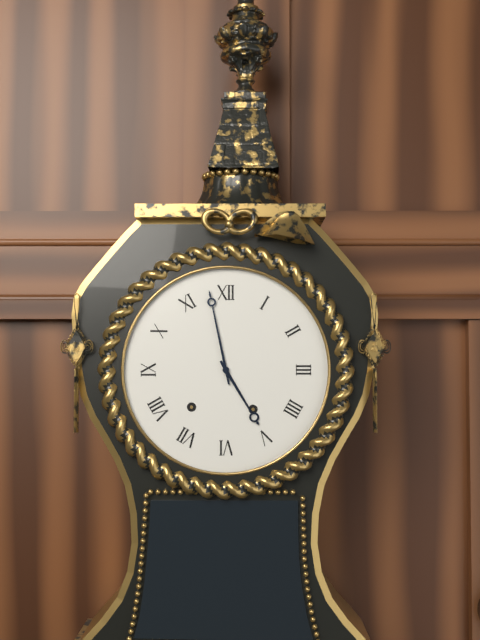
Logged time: 4:58
